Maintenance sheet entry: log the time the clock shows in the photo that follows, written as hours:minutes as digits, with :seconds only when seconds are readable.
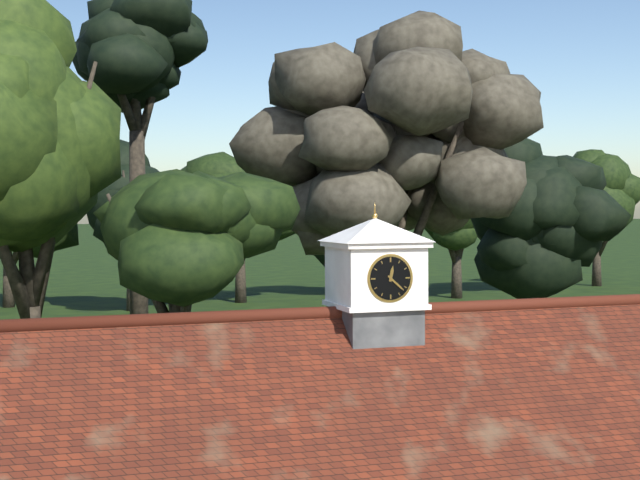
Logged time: 12:22
